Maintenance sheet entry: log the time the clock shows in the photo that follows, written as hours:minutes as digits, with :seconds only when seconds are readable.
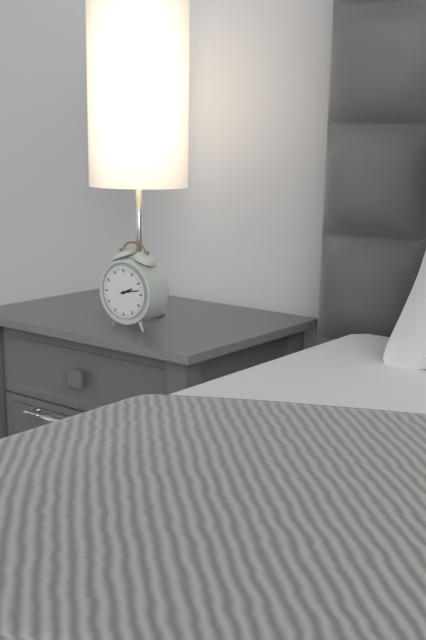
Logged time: 2:13
